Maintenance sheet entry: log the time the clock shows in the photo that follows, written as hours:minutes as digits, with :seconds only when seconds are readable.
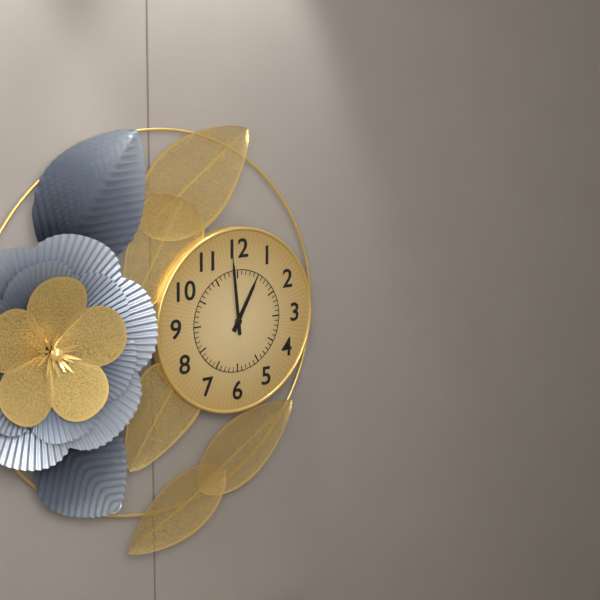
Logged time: 12:59
